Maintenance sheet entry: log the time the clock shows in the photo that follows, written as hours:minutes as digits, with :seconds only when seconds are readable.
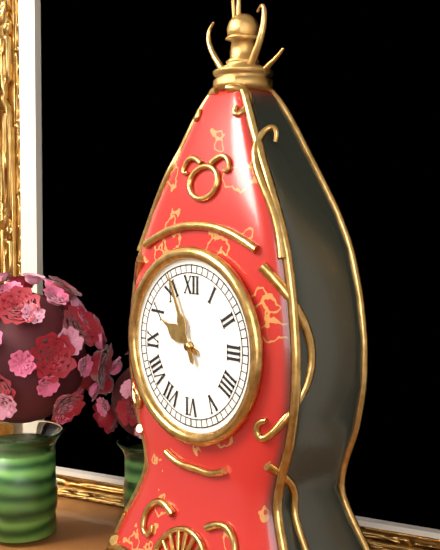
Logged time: 9:56
